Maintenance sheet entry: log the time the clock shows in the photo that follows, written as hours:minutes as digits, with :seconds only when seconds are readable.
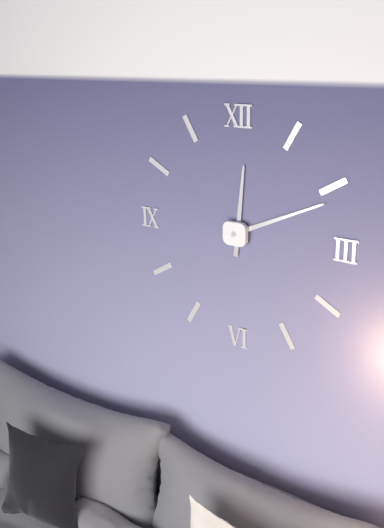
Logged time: 12:11
